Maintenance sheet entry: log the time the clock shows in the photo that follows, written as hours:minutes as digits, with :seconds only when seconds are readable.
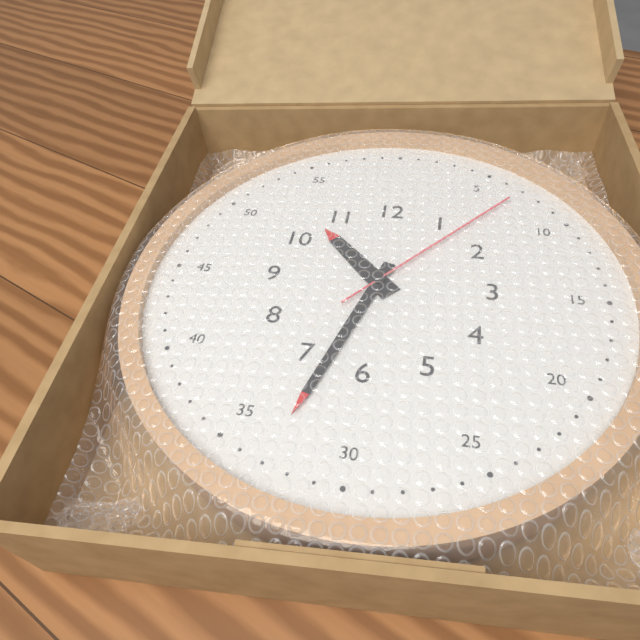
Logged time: 10:33:07
